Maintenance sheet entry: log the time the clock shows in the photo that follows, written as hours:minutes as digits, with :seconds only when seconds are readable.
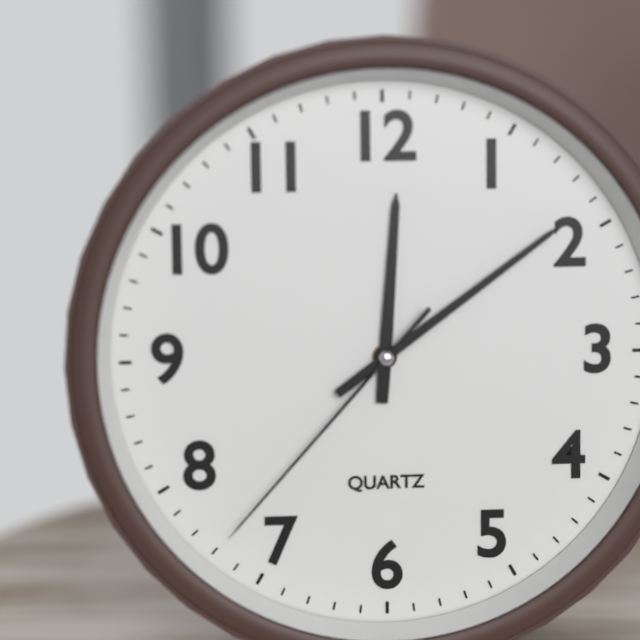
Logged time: 12:09:37
